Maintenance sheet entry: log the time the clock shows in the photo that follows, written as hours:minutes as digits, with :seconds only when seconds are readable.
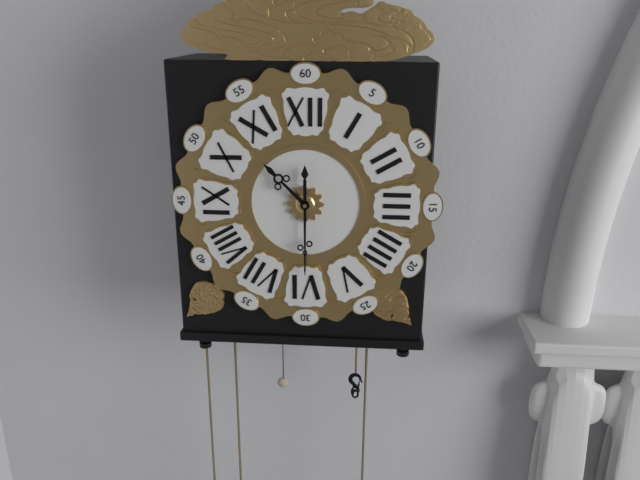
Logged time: 10:30
